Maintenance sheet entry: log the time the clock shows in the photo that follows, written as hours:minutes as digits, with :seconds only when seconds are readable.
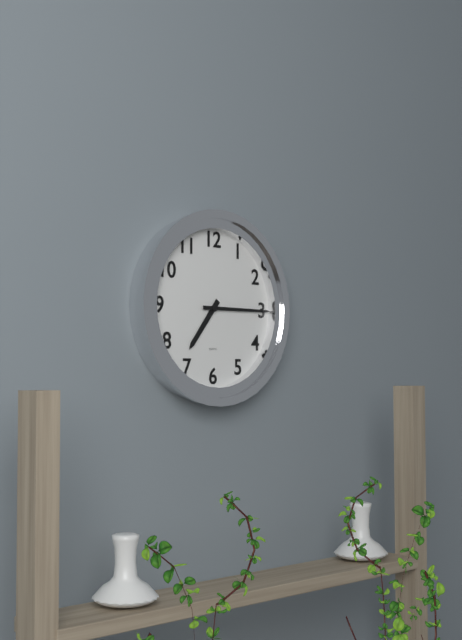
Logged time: 7:15
